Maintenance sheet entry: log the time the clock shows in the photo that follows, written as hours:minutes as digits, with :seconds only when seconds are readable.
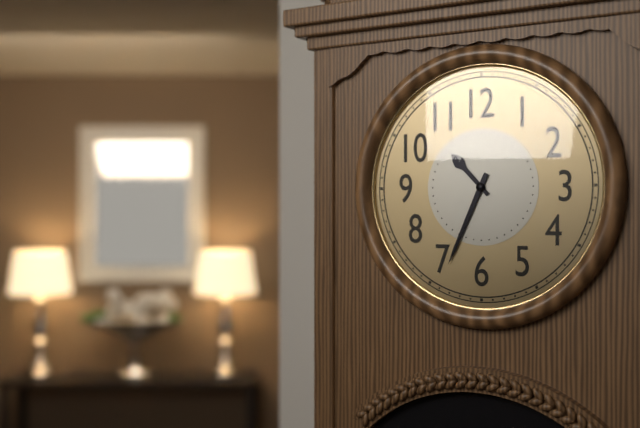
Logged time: 10:34
